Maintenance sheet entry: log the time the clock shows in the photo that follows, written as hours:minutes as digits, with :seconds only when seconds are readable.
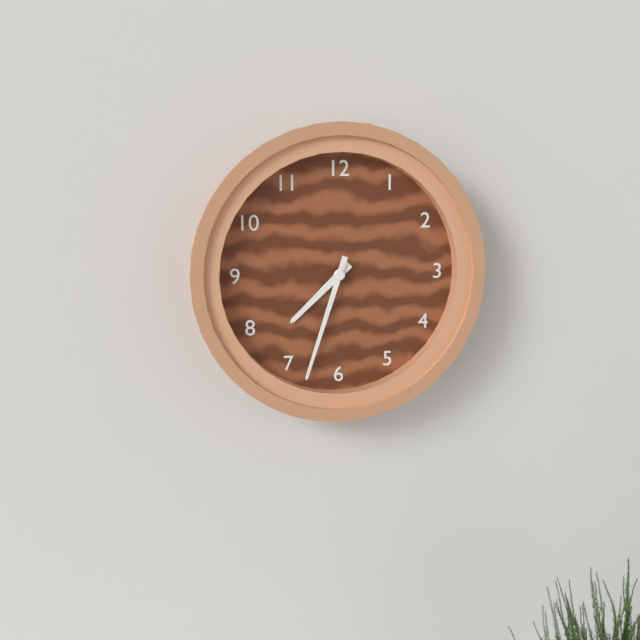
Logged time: 7:33
